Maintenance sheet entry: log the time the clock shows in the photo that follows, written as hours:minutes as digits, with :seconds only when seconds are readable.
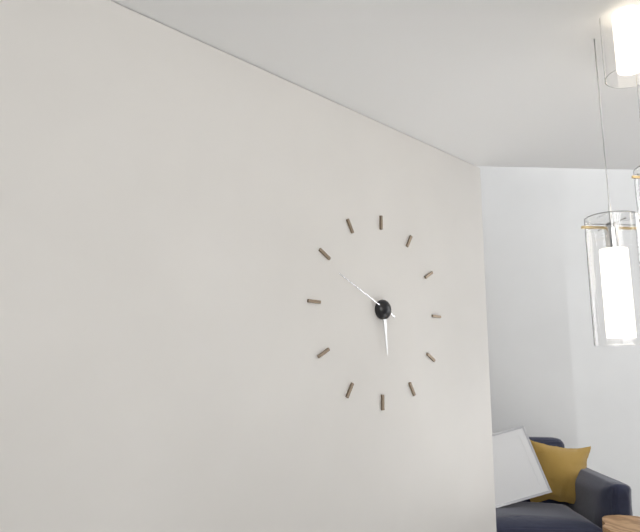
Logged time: 5:49
